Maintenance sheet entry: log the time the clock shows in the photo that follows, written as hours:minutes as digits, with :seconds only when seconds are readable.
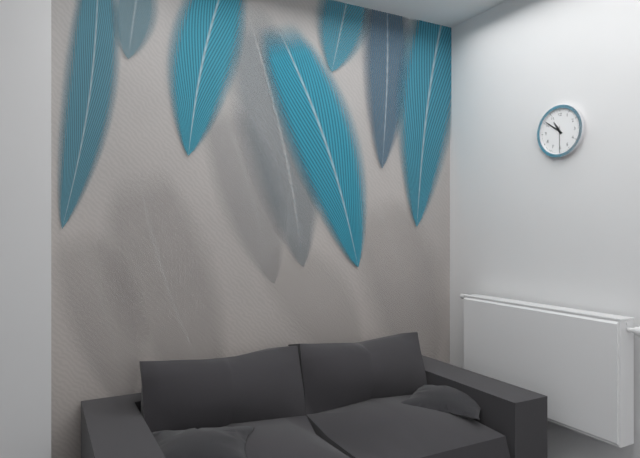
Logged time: 10:51
